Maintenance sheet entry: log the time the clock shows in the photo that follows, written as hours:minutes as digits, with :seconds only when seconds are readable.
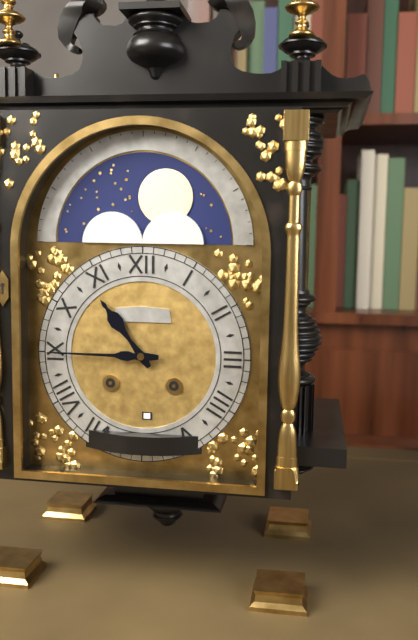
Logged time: 10:45
